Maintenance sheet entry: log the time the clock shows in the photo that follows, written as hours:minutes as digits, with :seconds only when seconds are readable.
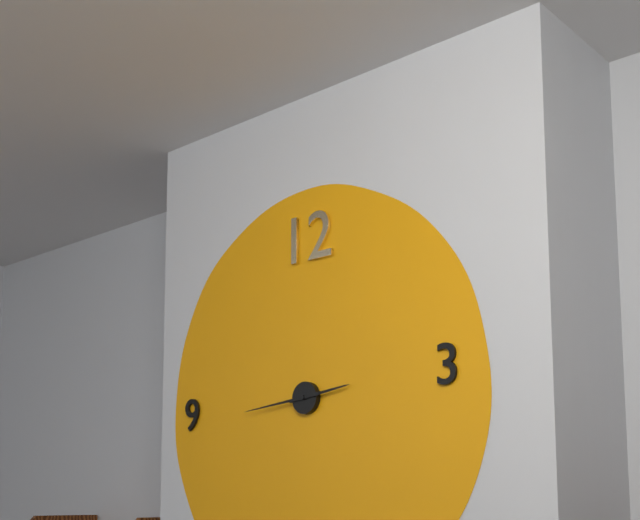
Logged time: 2:44
